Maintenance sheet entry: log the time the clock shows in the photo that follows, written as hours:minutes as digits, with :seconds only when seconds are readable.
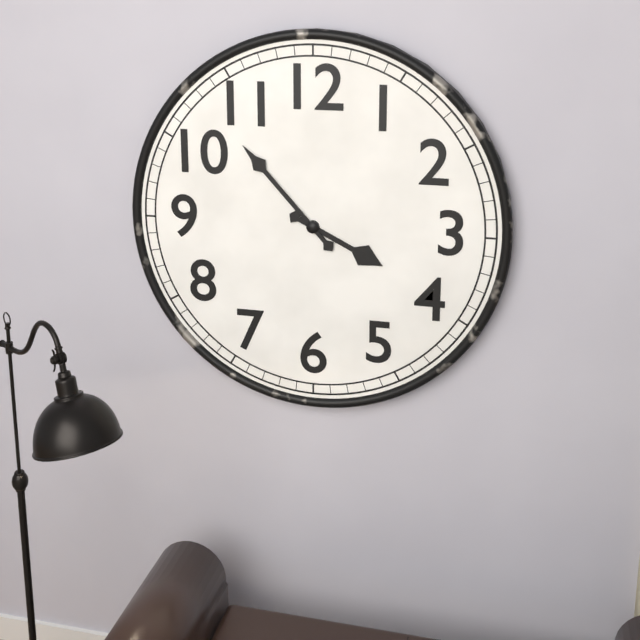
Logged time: 3:53
